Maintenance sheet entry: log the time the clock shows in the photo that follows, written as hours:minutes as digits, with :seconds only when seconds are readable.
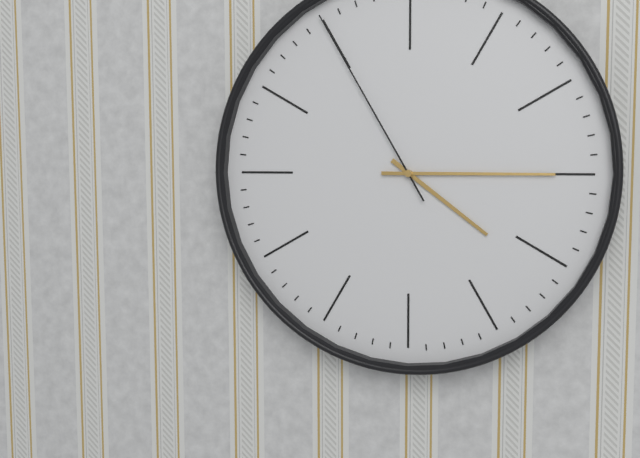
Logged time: 4:15:55
